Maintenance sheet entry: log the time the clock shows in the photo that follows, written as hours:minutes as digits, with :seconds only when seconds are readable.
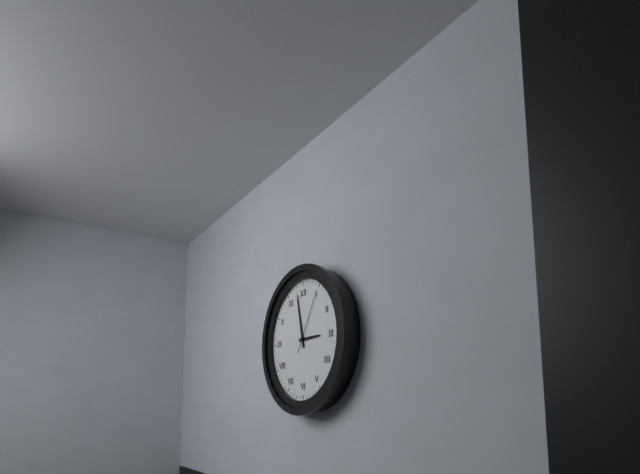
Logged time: 2:58:05
